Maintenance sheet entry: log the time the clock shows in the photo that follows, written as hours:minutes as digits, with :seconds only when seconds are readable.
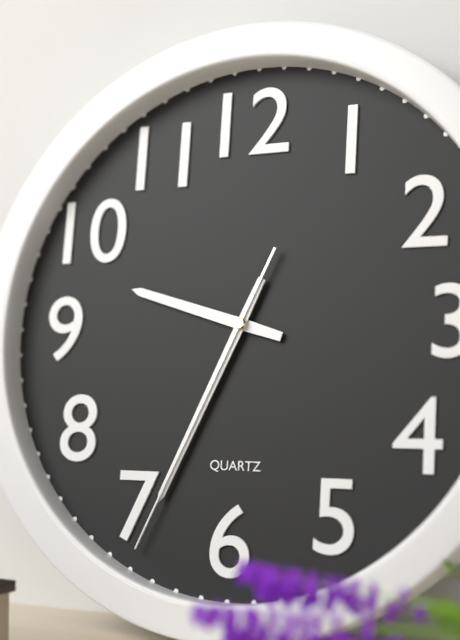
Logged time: 9:34:34
